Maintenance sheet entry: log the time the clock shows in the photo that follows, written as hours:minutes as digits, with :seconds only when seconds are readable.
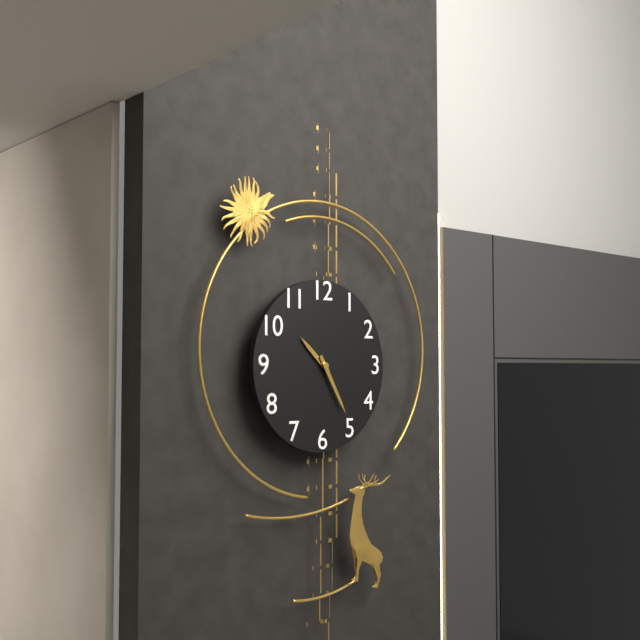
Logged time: 10:25
